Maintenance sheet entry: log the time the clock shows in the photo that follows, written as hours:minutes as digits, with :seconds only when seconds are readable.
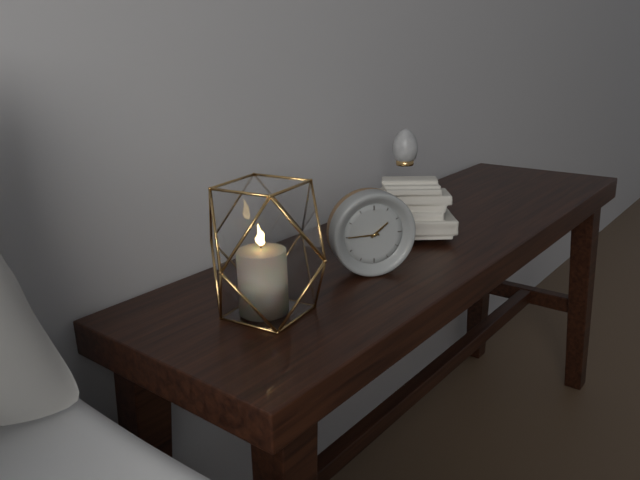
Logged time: 1:45
